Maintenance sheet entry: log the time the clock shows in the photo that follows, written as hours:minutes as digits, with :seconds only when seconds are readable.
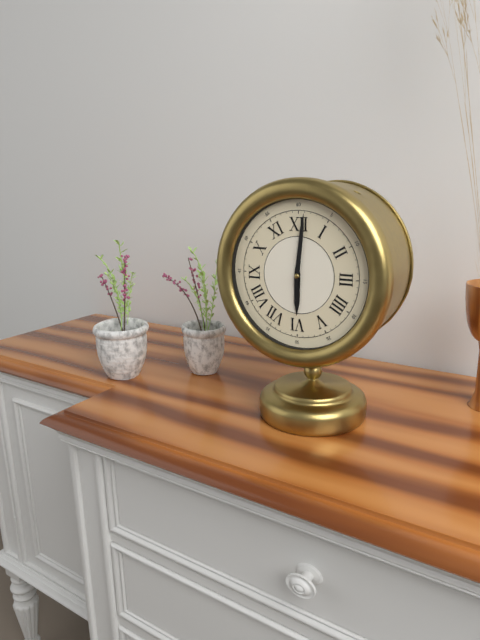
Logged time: 6:01
